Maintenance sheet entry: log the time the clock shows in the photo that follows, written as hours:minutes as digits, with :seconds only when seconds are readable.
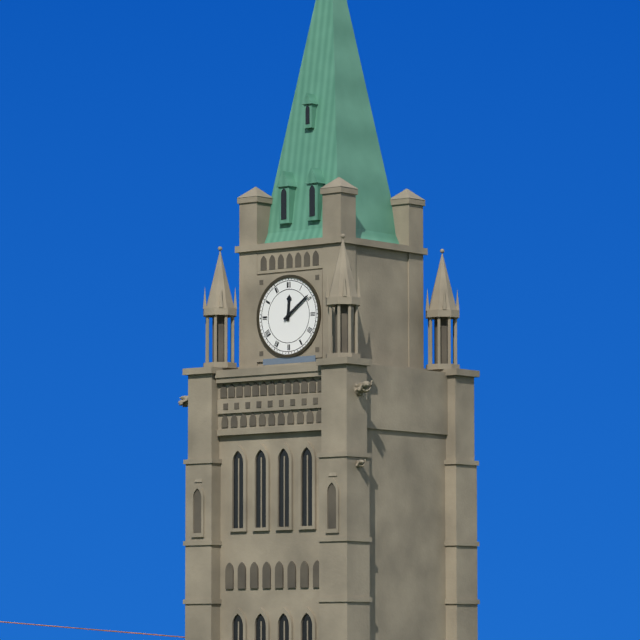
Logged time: 12:09
